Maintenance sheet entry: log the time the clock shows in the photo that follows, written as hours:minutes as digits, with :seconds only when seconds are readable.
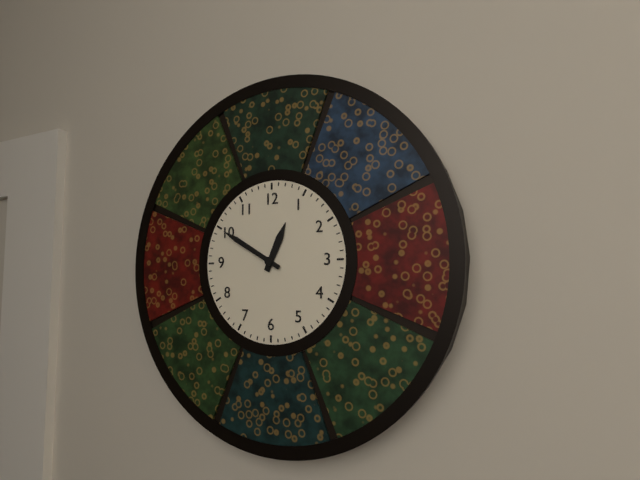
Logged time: 12:50
